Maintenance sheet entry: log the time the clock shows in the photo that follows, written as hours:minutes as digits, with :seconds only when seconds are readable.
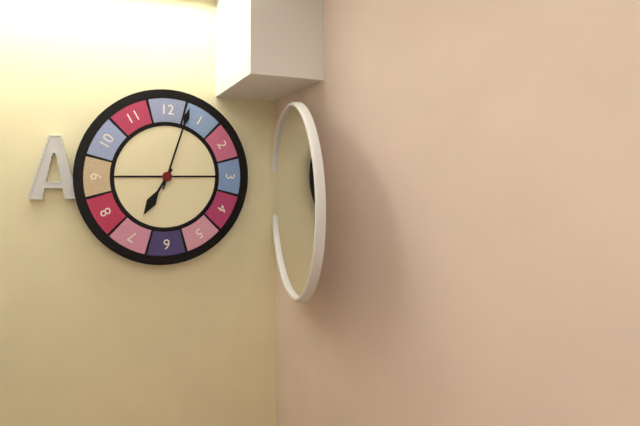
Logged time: 7:03
